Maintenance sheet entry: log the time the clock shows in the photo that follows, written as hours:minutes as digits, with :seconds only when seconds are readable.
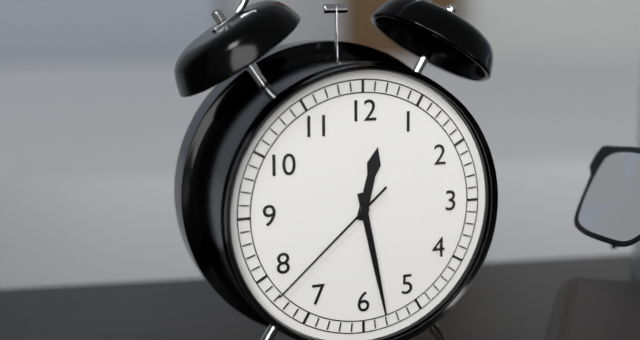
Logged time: 12:28:38
